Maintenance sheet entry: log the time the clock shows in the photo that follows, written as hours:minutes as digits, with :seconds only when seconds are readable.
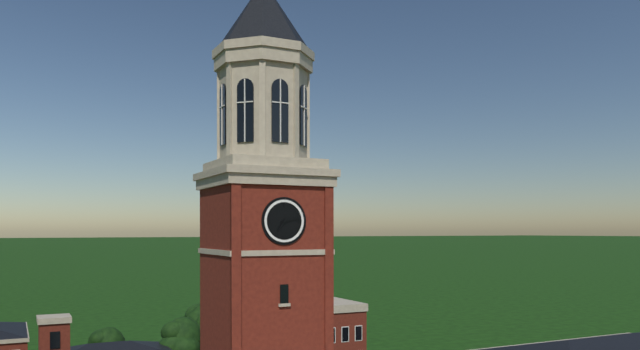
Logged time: 7:13
